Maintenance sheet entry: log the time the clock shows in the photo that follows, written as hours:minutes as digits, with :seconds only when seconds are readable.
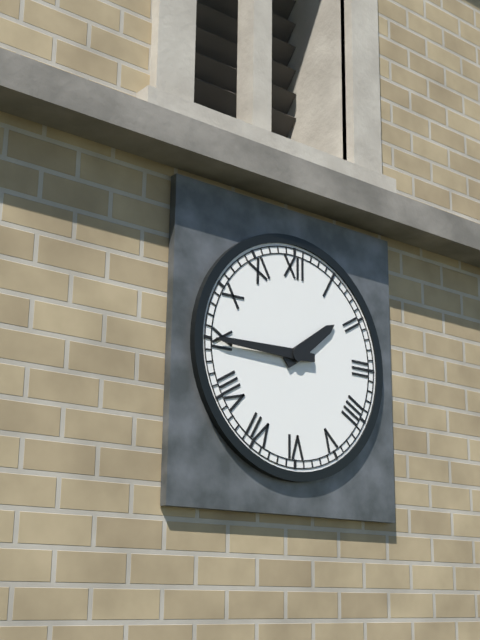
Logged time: 1:45
